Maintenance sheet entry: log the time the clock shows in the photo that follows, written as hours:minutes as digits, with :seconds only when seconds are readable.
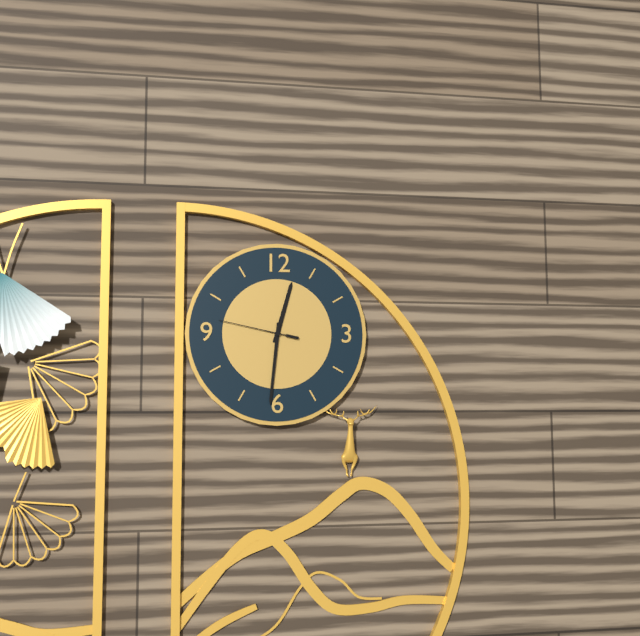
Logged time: 12:31:47
